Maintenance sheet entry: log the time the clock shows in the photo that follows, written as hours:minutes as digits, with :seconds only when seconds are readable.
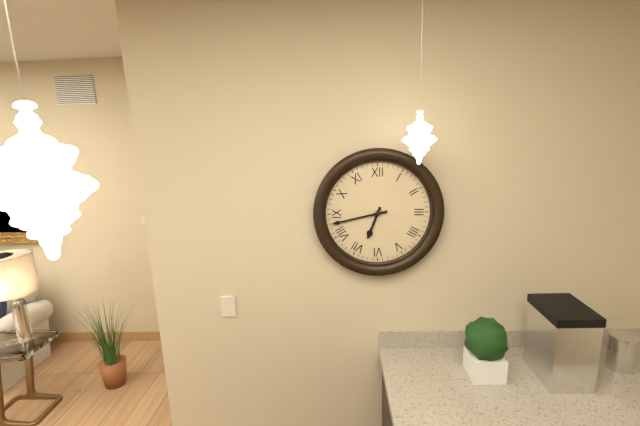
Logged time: 6:43
